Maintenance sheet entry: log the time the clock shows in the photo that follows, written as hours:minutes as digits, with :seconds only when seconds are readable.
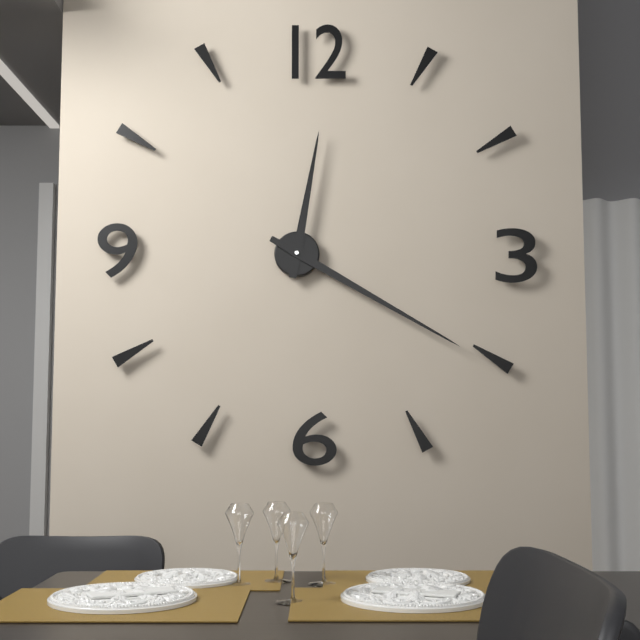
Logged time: 12:20
